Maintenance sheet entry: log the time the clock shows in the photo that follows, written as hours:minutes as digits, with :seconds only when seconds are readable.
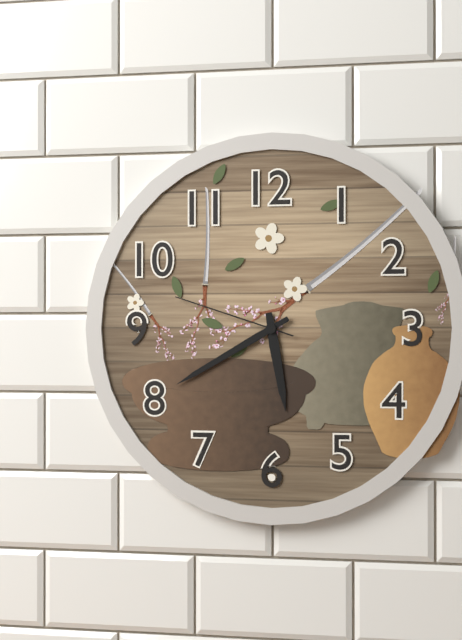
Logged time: 5:40:48
